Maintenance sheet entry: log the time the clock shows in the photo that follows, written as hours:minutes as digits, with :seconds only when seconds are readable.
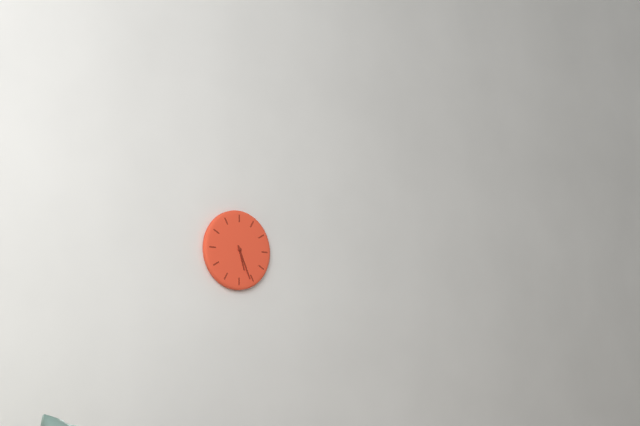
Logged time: 5:26
